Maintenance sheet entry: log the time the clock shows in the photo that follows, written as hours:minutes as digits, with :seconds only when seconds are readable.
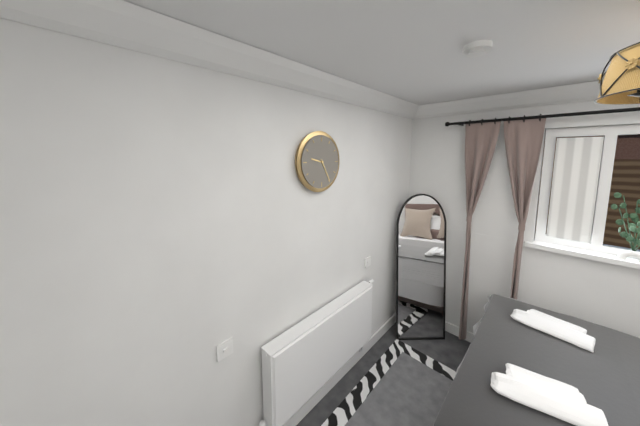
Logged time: 9:25
